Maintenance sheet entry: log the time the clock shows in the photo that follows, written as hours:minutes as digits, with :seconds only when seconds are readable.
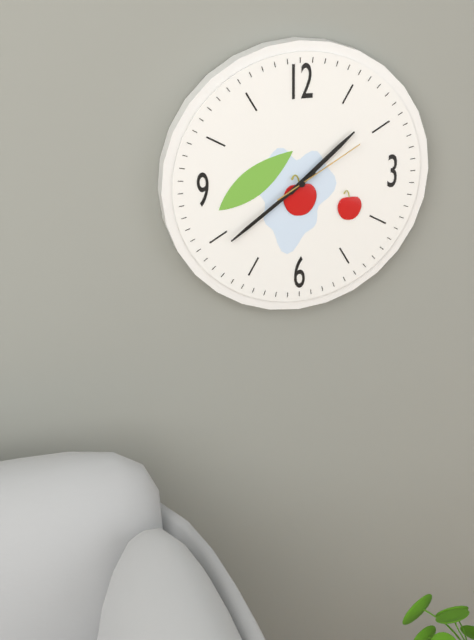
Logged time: 1:39:10
